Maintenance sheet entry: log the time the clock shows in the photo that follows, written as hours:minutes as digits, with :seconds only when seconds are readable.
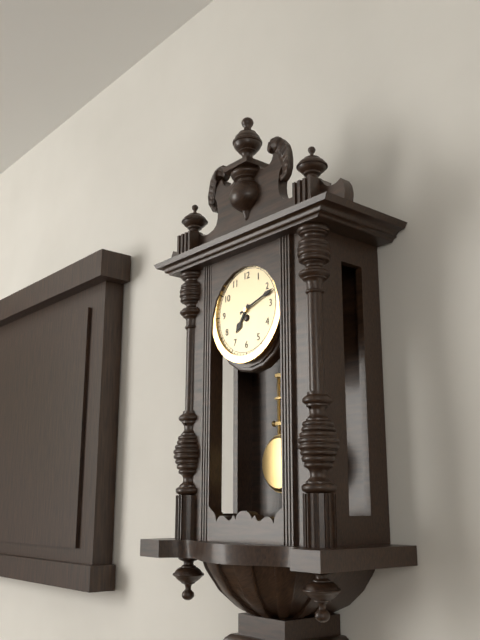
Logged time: 7:12
